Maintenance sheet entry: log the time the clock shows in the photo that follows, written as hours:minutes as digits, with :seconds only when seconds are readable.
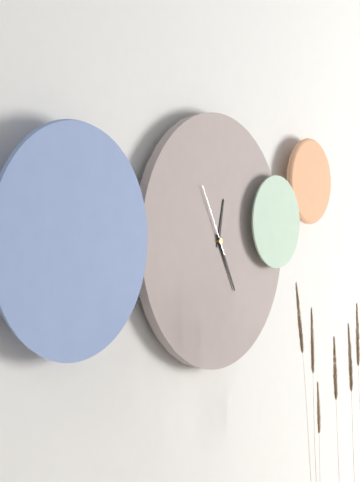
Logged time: 12:25:55
